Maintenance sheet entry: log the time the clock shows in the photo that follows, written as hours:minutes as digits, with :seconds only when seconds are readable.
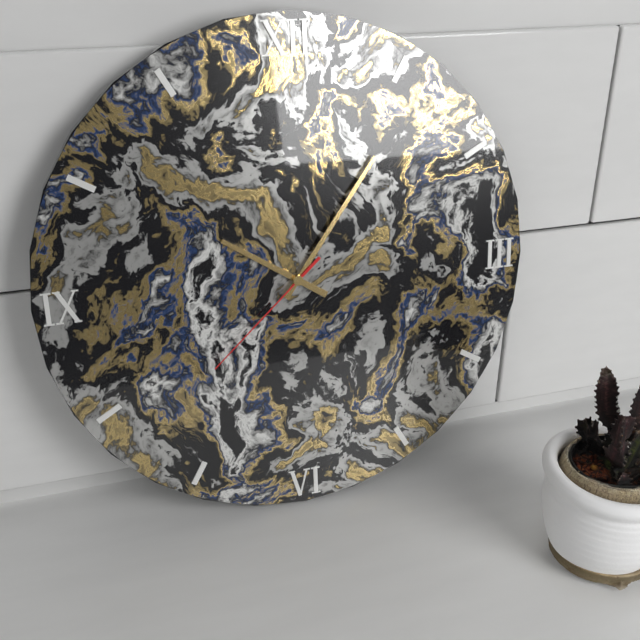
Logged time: 10:06:38
